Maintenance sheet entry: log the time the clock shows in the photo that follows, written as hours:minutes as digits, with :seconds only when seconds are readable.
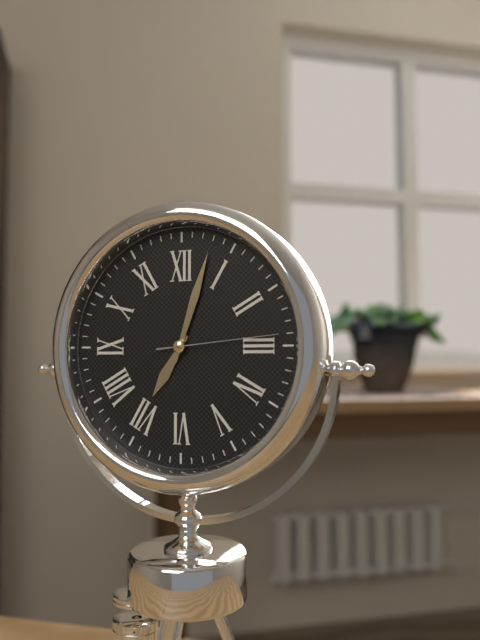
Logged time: 7:03:14
